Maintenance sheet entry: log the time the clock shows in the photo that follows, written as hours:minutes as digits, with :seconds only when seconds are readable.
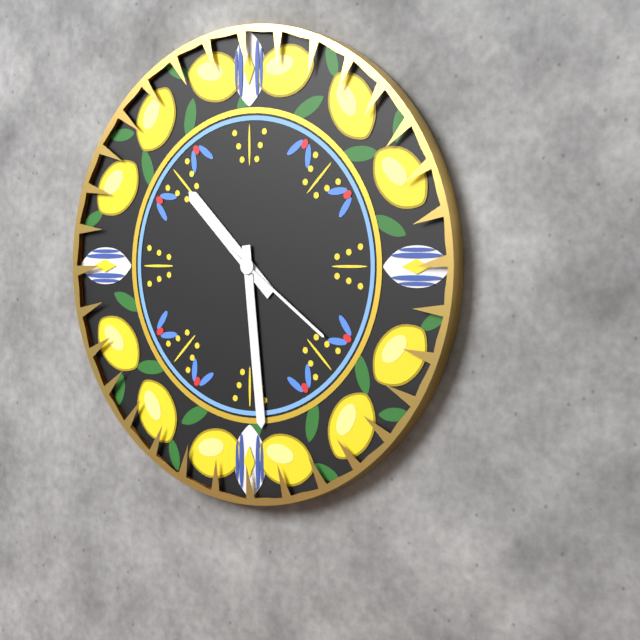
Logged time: 10:29:21
